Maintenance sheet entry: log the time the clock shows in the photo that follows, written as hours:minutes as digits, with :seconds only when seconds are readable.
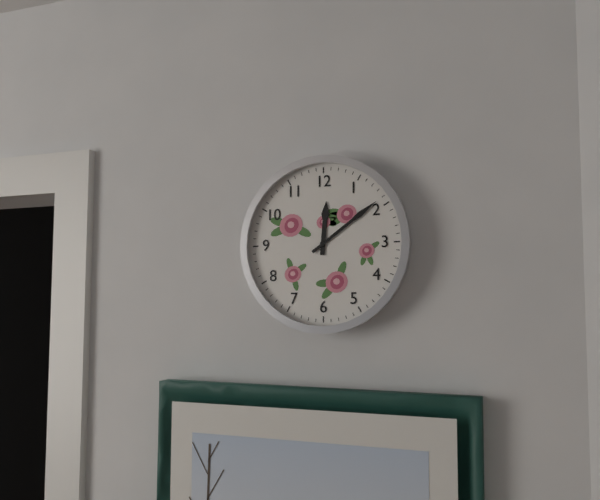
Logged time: 12:09
